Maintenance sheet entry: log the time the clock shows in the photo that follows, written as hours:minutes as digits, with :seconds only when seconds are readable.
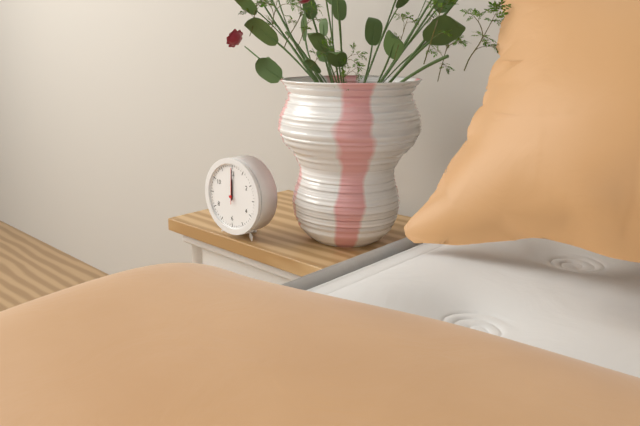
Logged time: 12:00
